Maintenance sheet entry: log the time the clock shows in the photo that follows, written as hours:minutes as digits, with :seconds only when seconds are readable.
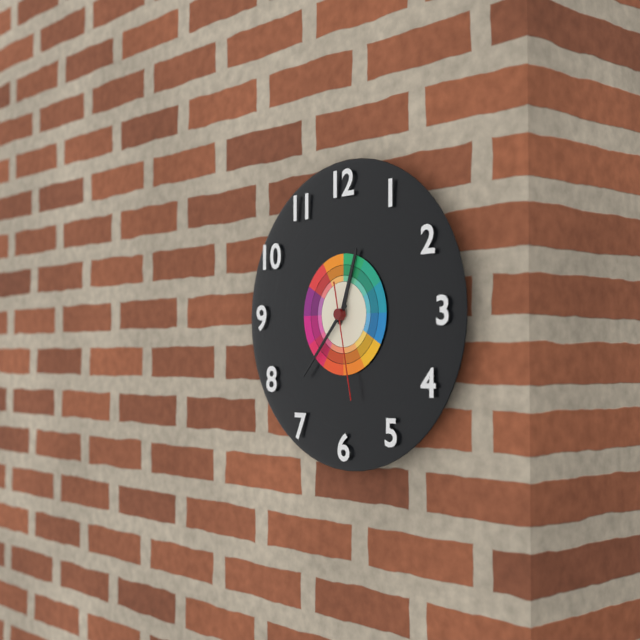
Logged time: 12:37:28
